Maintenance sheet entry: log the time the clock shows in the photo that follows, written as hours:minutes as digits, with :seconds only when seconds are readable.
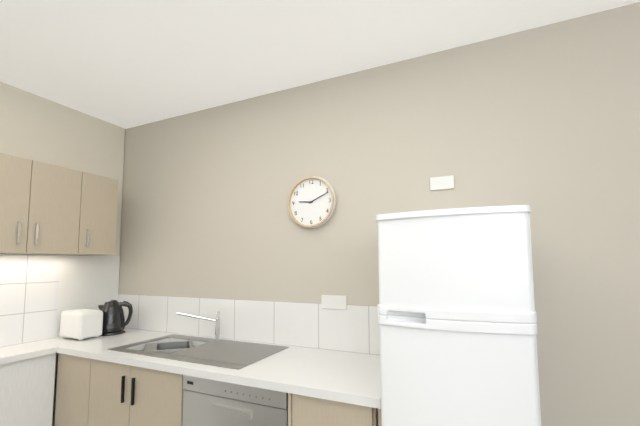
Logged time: 9:11
